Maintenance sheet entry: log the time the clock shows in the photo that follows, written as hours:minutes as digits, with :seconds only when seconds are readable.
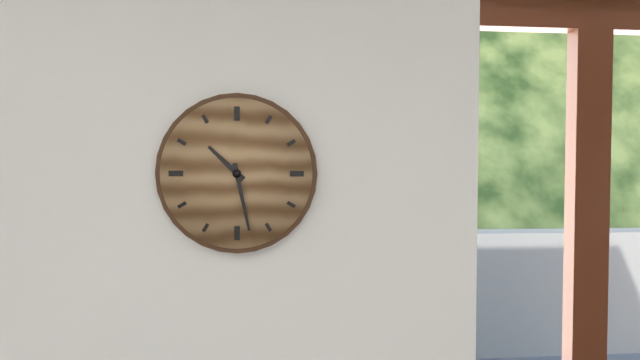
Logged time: 10:28
